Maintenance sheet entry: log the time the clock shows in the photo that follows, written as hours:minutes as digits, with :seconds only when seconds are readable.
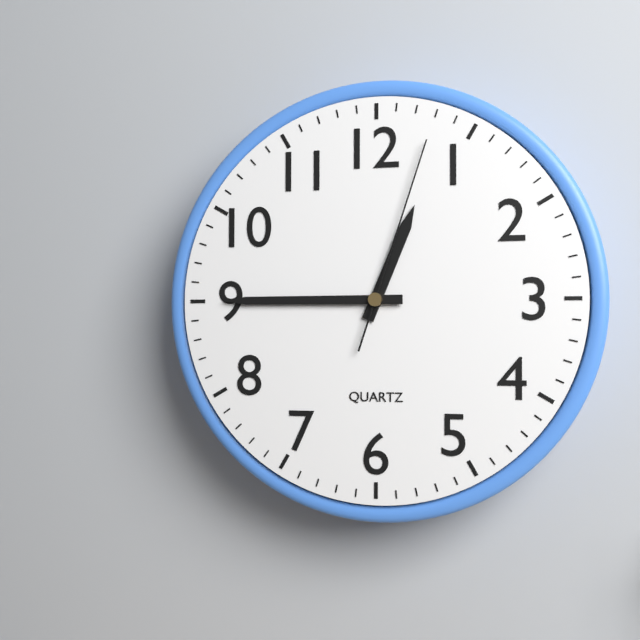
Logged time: 12:45:03
